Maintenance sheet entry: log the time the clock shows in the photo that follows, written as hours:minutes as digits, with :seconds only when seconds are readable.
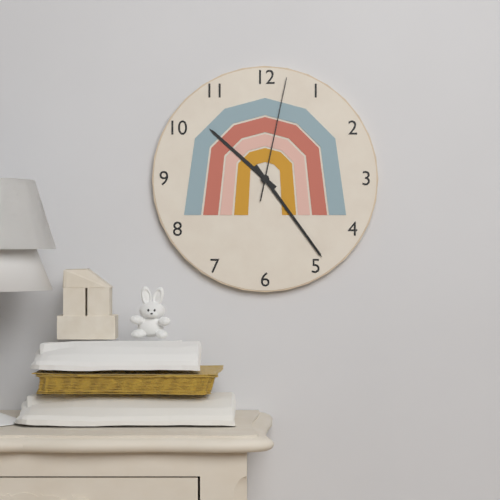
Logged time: 10:24:02
